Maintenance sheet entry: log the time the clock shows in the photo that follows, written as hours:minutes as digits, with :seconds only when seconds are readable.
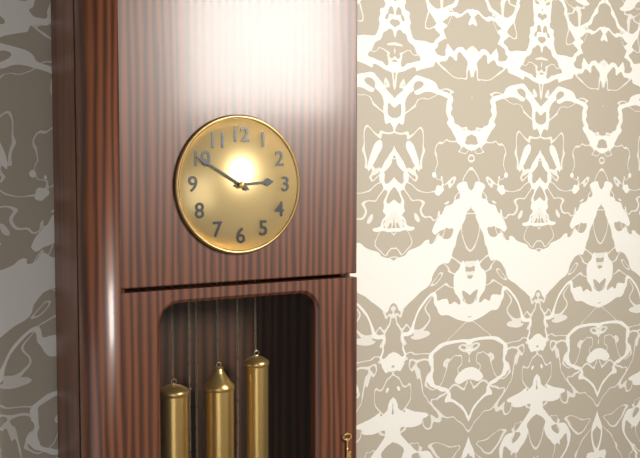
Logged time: 2:50
